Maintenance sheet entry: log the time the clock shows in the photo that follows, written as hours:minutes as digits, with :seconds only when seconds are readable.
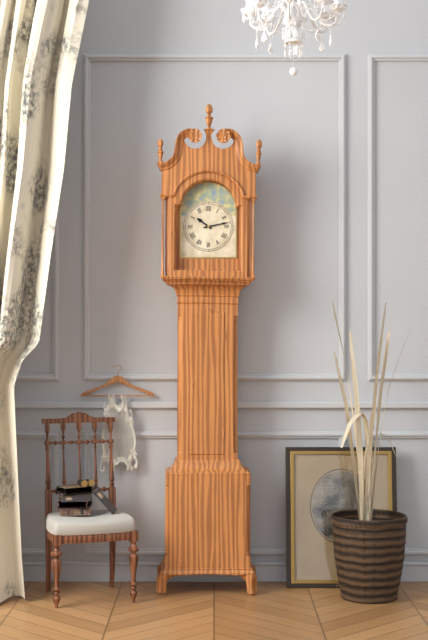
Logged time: 10:13
